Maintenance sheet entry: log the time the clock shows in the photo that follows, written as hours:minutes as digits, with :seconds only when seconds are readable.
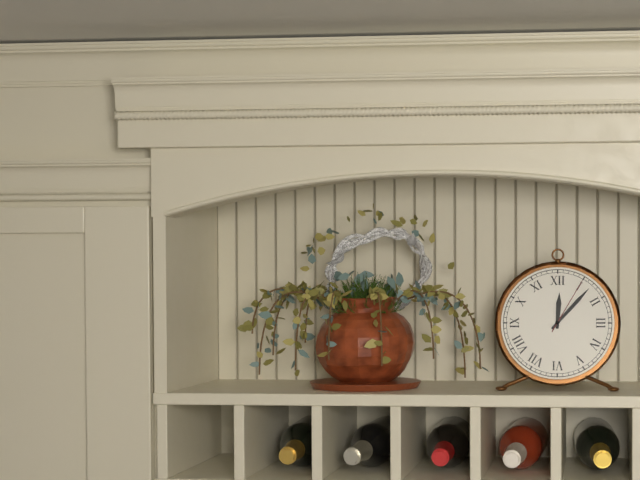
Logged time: 12:07:05
